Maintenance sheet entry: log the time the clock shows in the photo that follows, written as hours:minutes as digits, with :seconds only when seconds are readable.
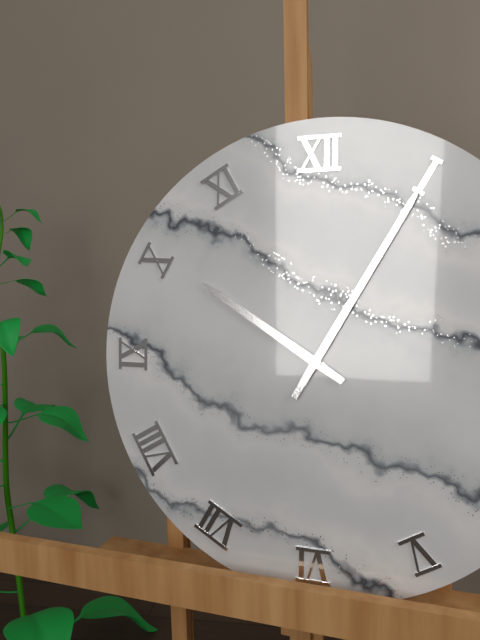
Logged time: 10:05
